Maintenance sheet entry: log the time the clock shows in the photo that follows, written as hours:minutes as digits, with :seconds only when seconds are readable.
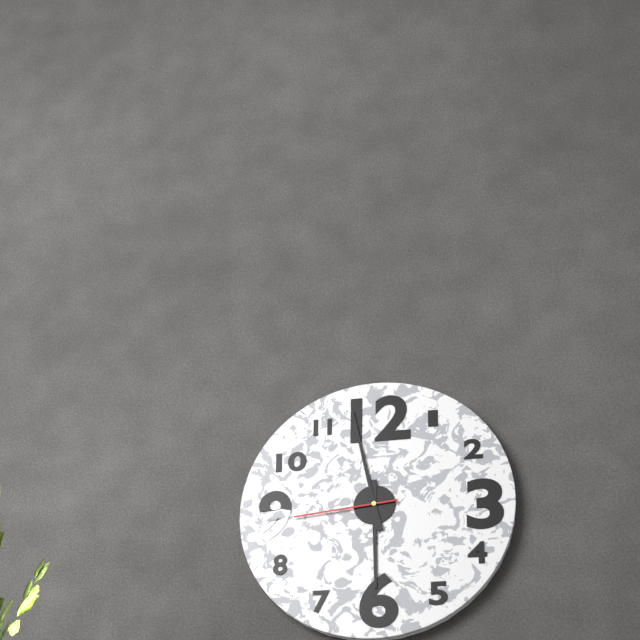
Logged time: 5:58:44
